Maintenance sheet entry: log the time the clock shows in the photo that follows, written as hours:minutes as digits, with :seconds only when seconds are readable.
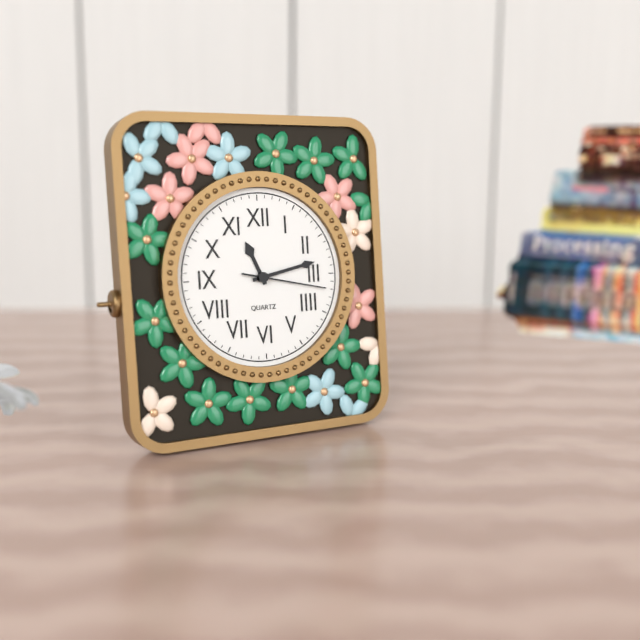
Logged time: 11:13:17
